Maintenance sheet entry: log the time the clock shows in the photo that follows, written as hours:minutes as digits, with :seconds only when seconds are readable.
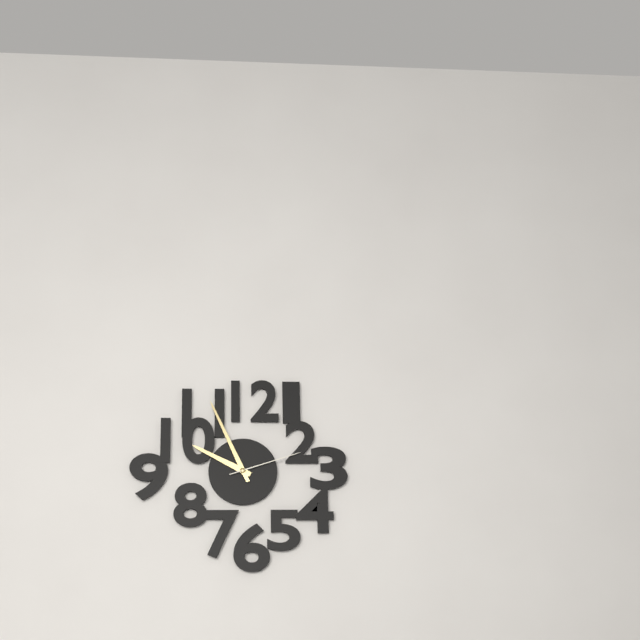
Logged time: 9:56:12
